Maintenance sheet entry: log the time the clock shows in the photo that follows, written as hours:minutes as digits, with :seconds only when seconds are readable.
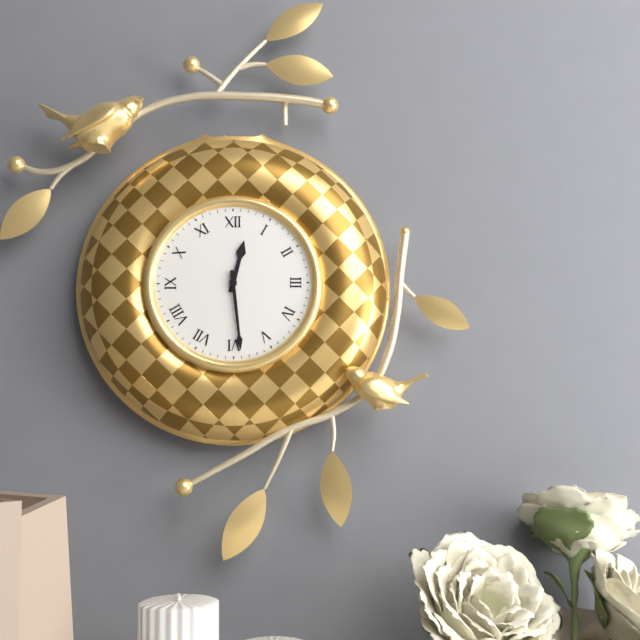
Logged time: 12:29
